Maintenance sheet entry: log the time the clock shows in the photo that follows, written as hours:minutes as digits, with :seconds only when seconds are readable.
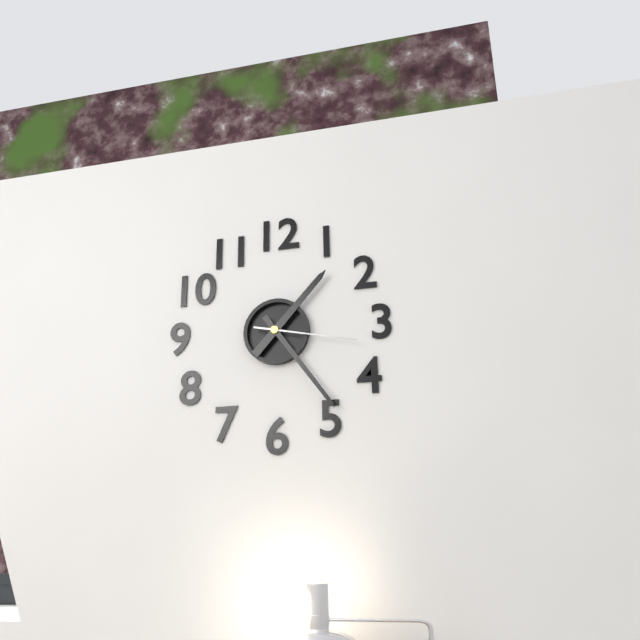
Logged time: 1:24:17
